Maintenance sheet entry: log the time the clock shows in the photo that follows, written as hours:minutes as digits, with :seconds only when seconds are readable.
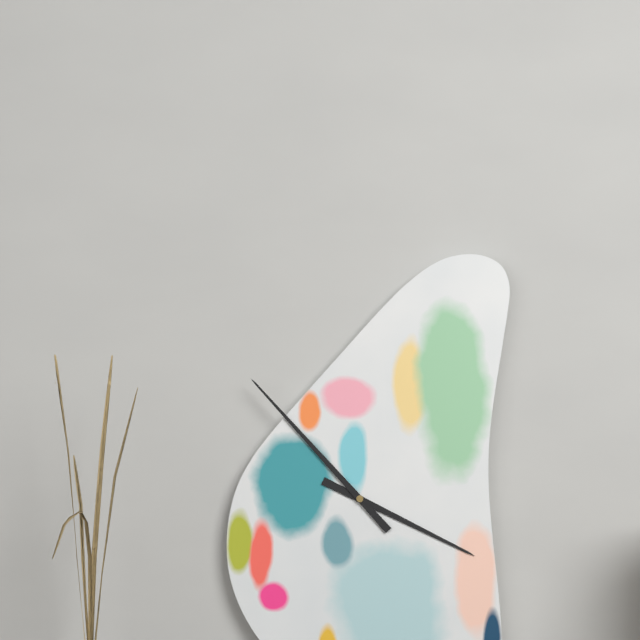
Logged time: 3:53
